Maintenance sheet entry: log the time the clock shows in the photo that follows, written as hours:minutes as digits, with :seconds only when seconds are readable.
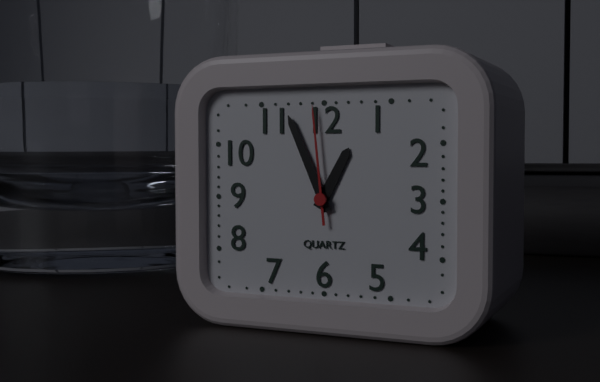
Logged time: 12:56:59
